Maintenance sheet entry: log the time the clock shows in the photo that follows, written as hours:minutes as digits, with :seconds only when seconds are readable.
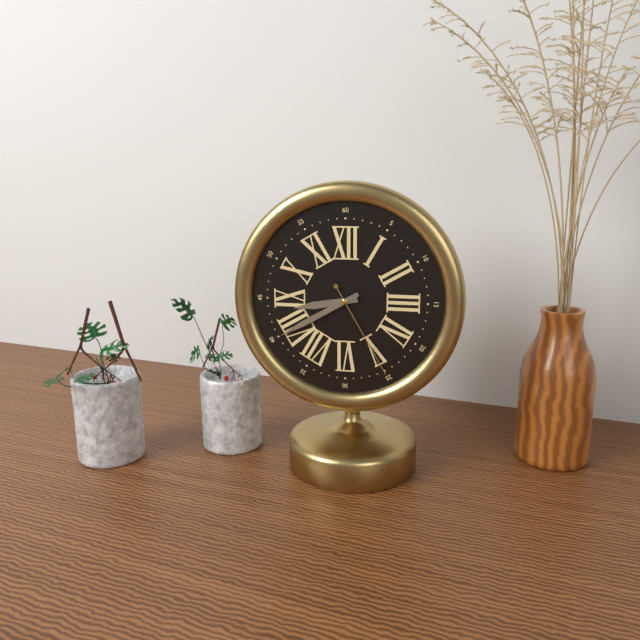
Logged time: 8:40:25
